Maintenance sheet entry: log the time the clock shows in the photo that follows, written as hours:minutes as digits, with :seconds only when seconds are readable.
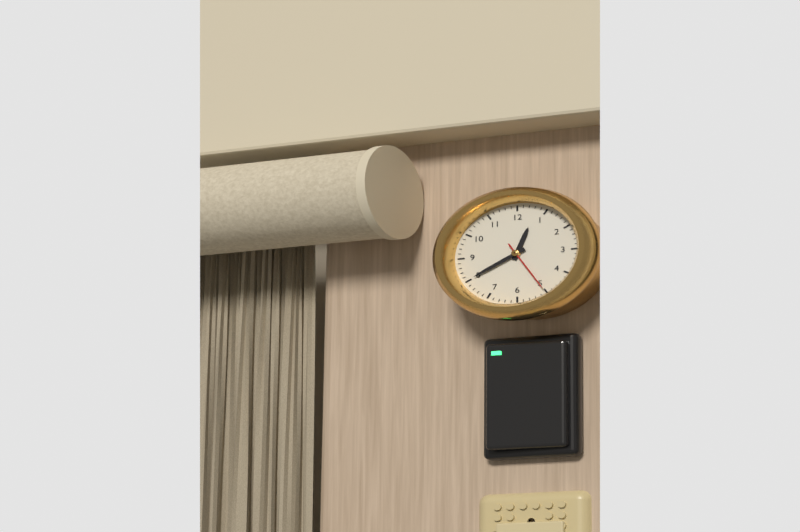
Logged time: 12:40:25
